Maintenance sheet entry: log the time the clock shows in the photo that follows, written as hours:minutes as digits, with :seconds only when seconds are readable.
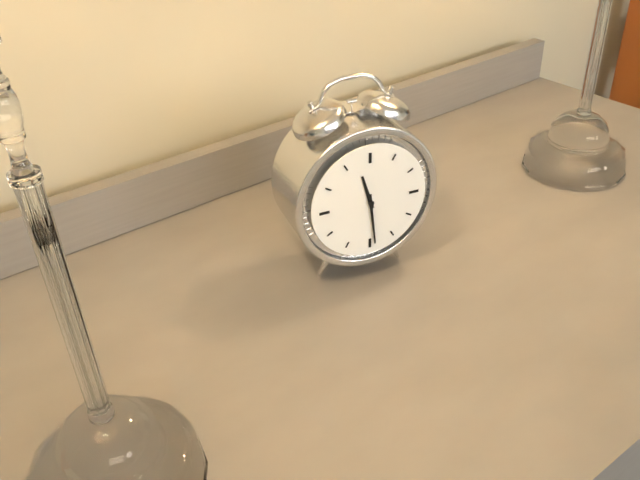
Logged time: 11:29
